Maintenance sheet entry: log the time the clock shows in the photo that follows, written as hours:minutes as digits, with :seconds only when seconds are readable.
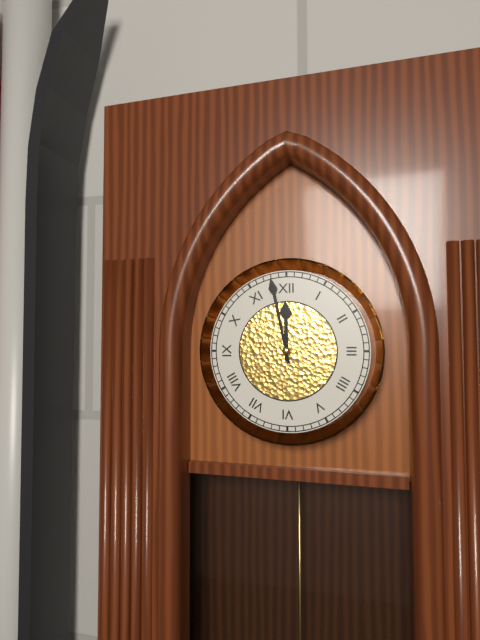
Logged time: 11:58
